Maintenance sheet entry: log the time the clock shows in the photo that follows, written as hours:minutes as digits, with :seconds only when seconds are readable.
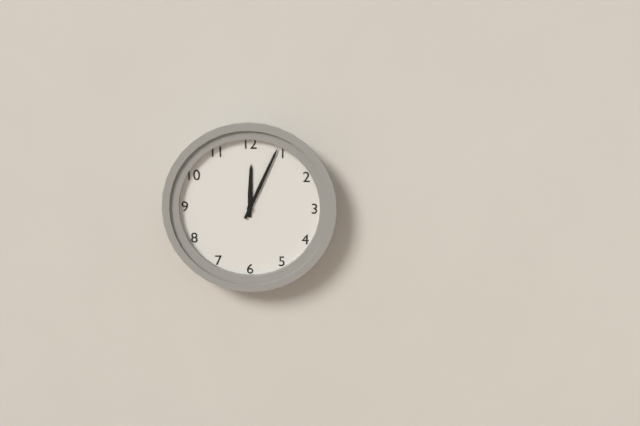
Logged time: 12:04
